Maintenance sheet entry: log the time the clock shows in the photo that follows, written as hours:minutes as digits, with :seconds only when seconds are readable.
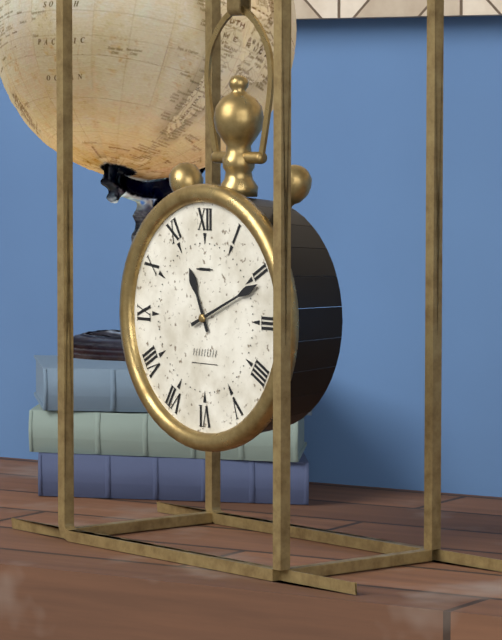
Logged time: 11:11
